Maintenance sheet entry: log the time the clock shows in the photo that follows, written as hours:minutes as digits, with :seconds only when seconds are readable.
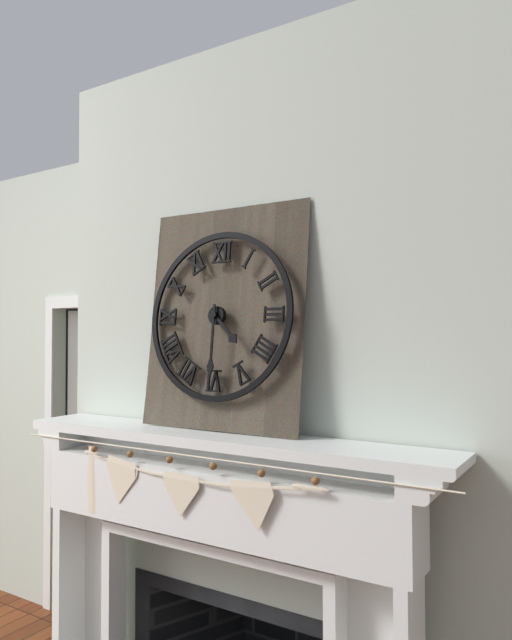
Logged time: 4:30
